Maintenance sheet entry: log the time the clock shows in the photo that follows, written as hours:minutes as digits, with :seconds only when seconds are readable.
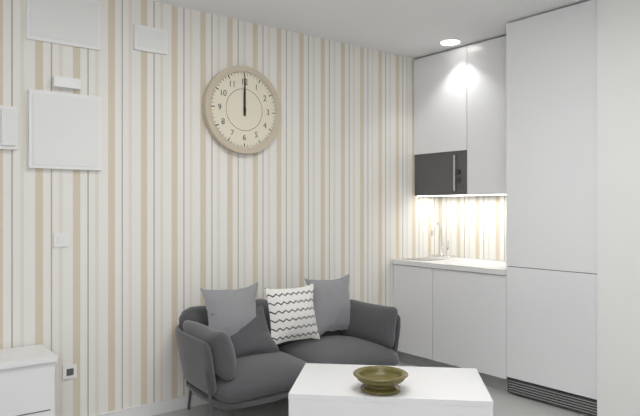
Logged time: 12:00
